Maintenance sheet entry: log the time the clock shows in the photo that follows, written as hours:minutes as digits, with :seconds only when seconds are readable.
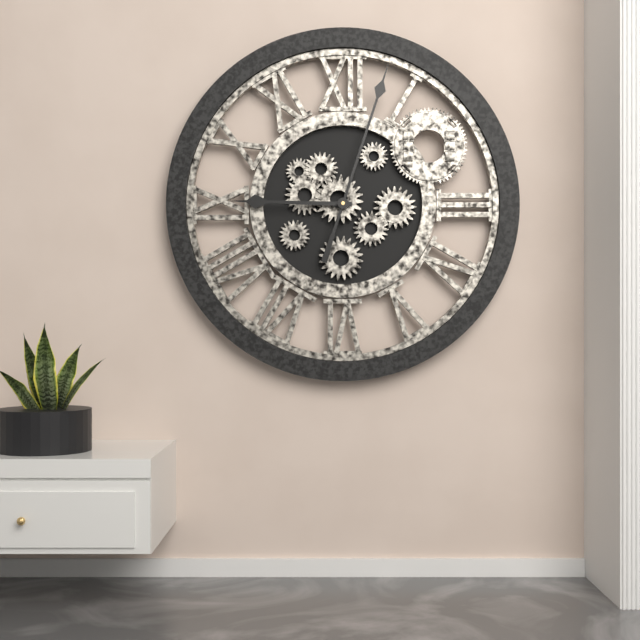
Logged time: 9:03
